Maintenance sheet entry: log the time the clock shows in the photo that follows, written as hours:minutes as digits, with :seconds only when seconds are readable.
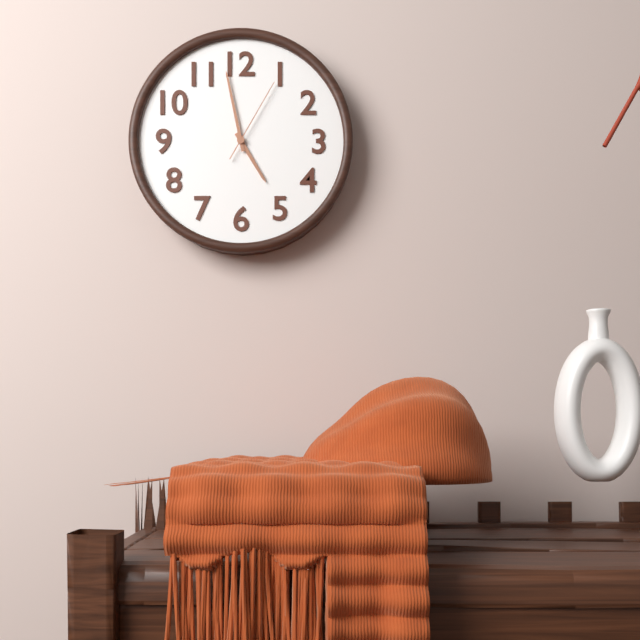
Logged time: 4:58:05
